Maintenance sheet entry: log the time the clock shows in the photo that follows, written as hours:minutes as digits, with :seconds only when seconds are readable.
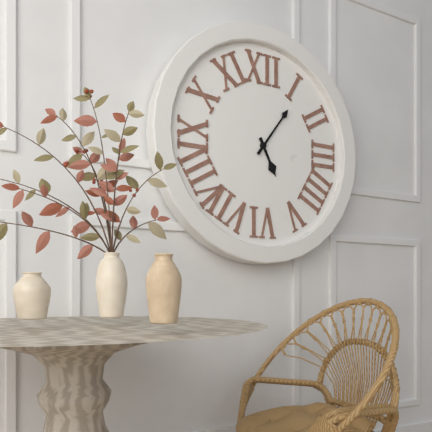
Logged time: 5:06
